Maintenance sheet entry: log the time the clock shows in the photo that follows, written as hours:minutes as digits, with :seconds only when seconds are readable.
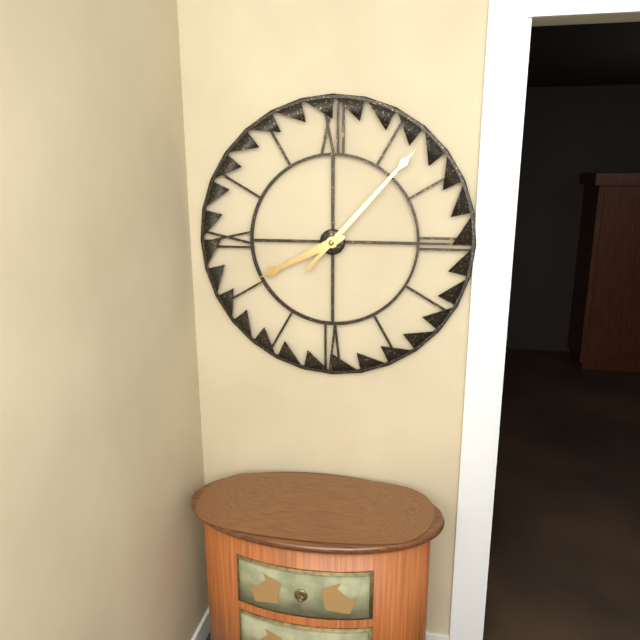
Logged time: 8:07
